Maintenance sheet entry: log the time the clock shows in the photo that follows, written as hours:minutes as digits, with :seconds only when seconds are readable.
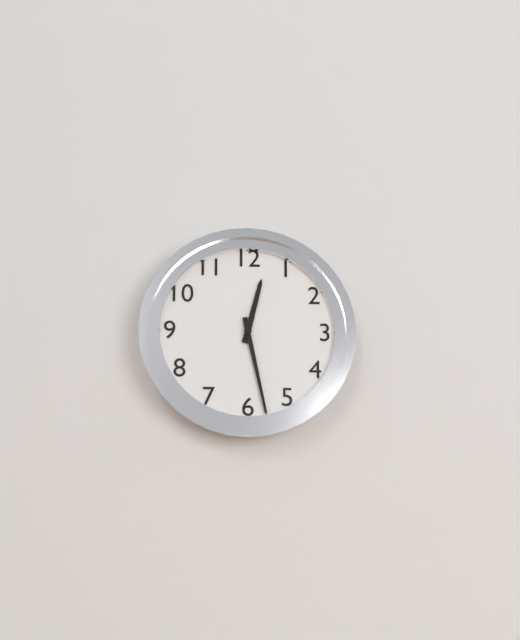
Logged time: 12:28
